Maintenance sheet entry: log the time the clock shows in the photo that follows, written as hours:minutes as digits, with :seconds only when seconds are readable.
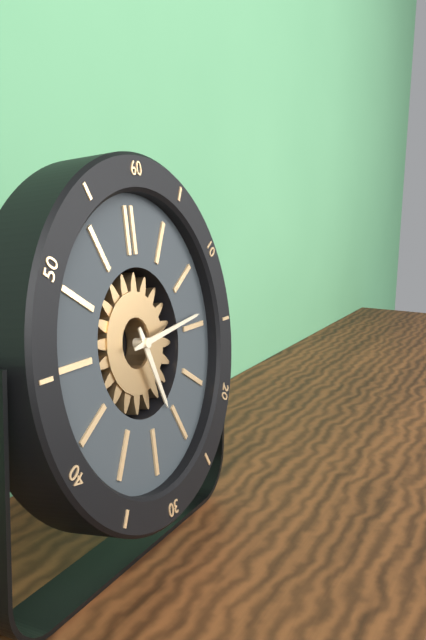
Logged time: 5:14
